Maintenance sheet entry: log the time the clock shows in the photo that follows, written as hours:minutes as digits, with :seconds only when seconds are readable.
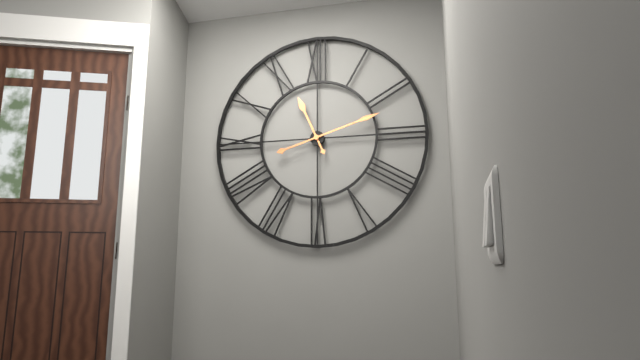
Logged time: 11:12
